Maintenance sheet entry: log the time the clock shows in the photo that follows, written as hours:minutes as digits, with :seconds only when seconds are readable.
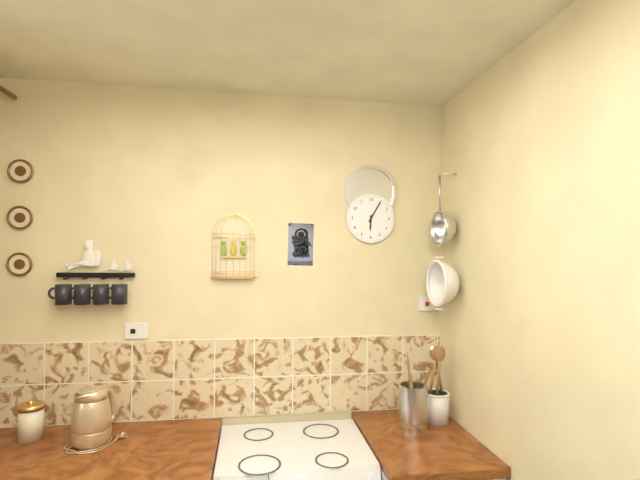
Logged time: 6:05
